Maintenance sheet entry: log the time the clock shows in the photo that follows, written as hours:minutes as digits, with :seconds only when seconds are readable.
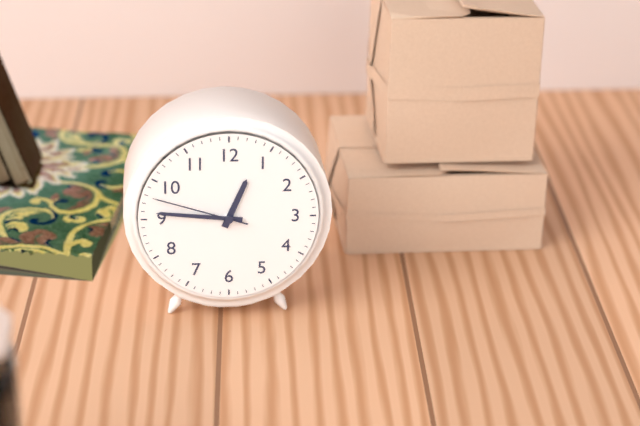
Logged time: 12:46:48
